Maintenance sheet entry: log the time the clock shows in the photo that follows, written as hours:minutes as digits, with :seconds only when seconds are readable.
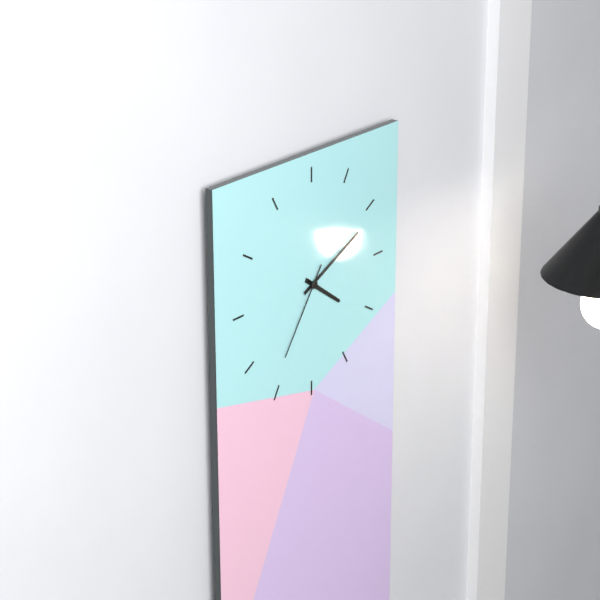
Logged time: 4:11:36
